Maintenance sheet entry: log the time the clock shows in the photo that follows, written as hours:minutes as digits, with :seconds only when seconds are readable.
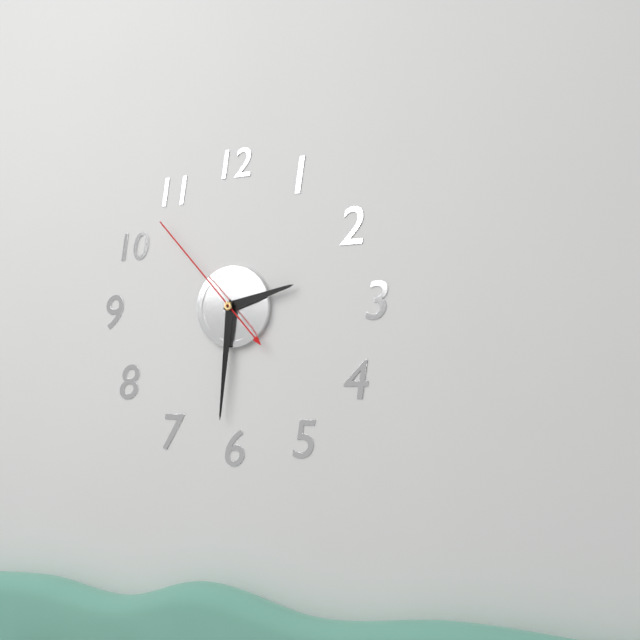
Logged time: 2:31:53
